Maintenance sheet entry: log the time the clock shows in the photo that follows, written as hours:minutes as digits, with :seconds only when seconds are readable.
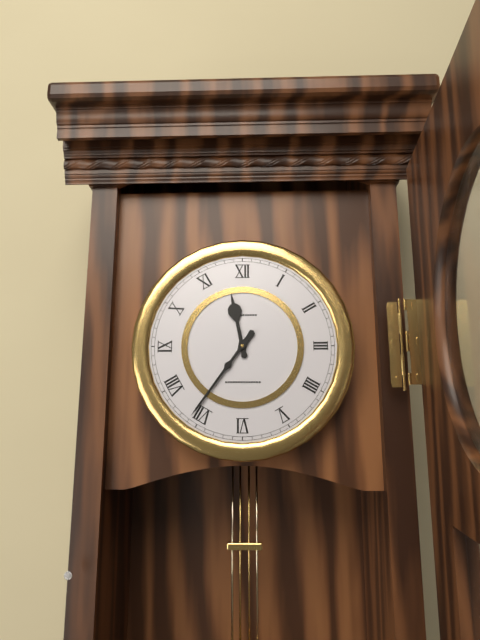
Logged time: 11:36
